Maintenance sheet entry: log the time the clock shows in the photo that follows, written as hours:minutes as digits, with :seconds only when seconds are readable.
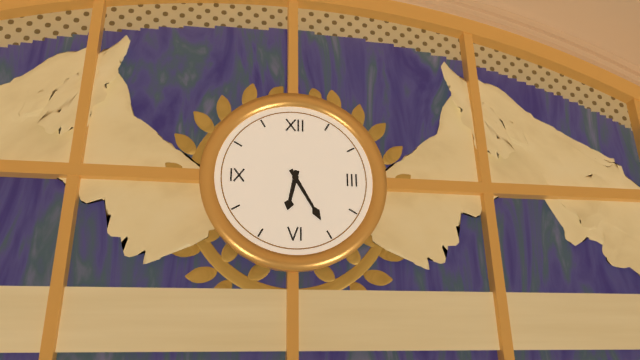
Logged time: 6:25
